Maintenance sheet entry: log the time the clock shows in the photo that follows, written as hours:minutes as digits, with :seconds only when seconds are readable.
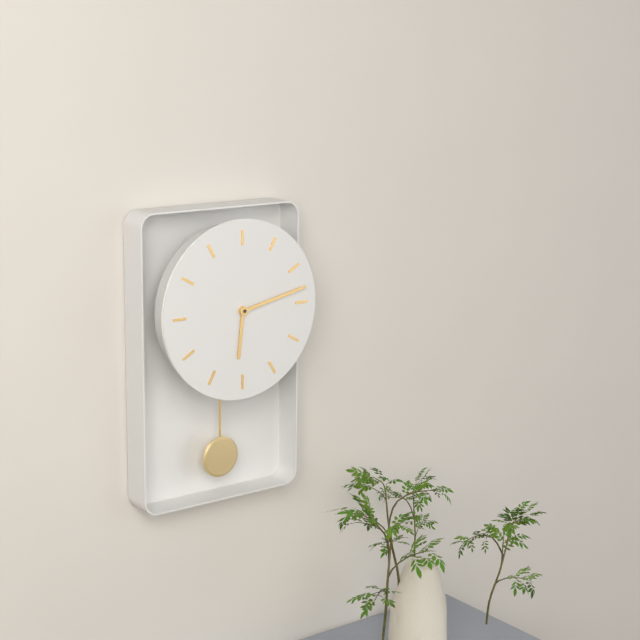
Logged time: 6:13
